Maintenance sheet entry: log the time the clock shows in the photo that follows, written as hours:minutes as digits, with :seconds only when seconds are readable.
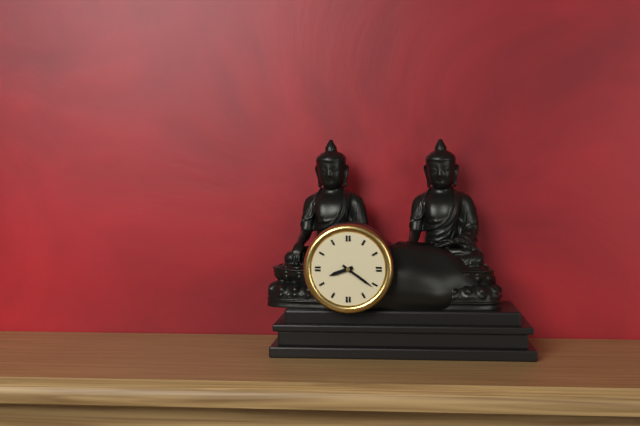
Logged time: 8:21
